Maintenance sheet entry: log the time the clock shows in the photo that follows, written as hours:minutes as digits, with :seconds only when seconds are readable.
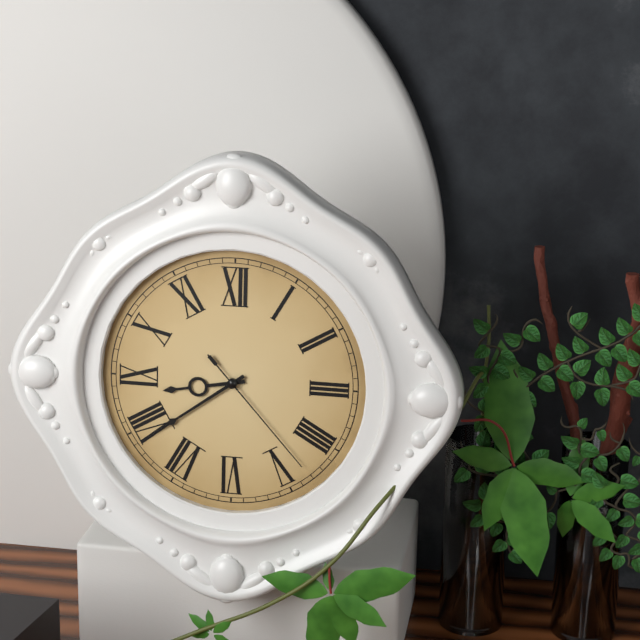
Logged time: 8:39:23
